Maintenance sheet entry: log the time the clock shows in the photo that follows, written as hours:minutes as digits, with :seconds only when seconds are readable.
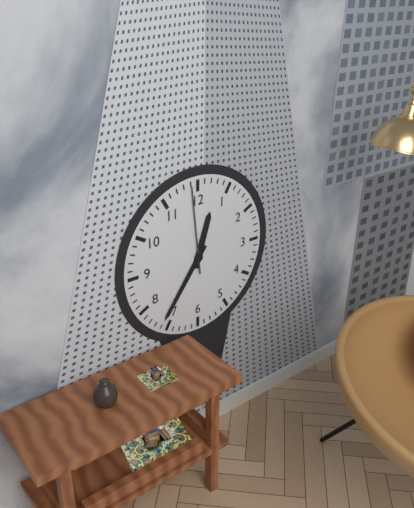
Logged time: 12:36:59
